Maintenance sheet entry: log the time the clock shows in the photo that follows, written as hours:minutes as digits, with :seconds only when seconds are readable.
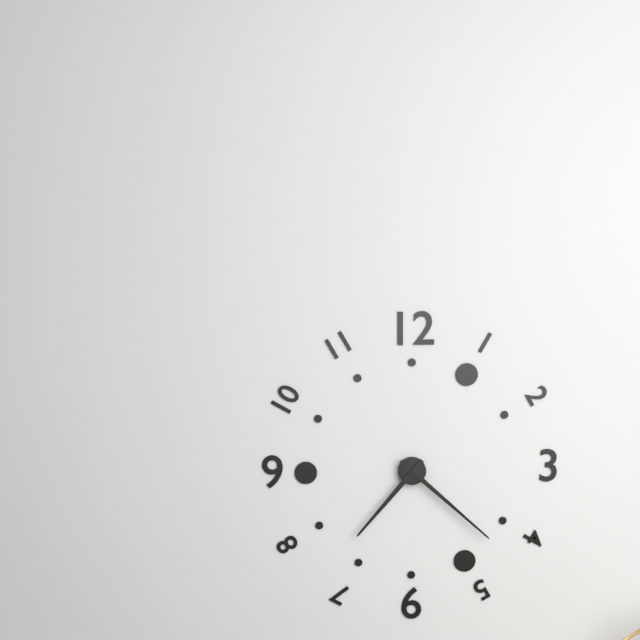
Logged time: 7:22
